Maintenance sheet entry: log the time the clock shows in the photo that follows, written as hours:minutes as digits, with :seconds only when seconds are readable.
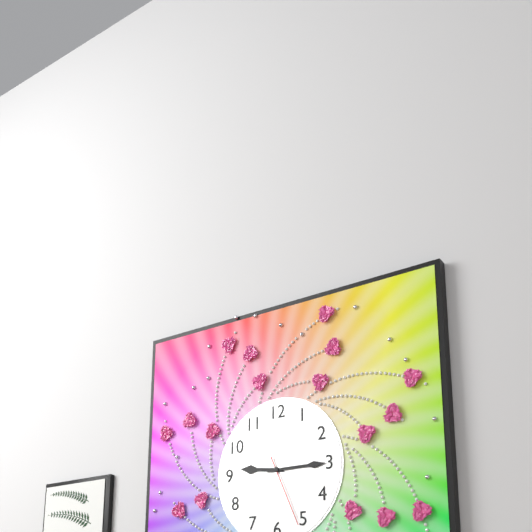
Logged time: 9:15:26
